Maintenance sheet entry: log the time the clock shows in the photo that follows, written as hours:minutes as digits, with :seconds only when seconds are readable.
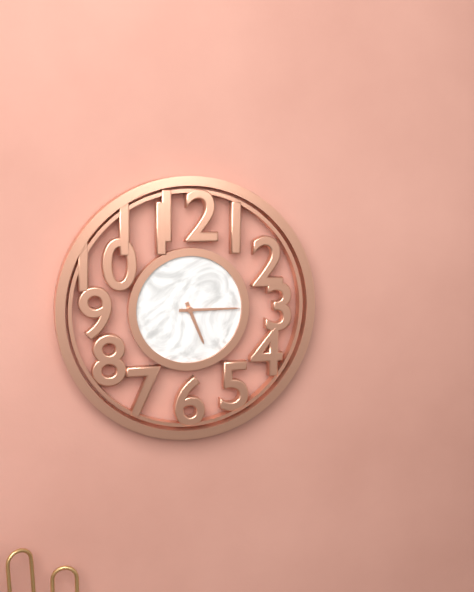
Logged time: 5:15
